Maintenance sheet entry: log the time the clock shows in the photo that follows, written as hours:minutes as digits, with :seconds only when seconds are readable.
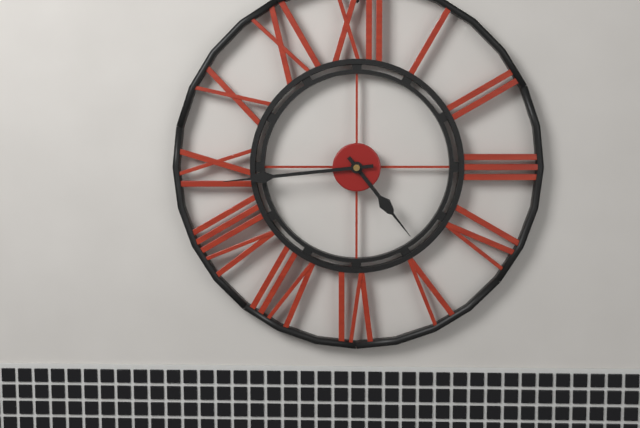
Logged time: 4:44
